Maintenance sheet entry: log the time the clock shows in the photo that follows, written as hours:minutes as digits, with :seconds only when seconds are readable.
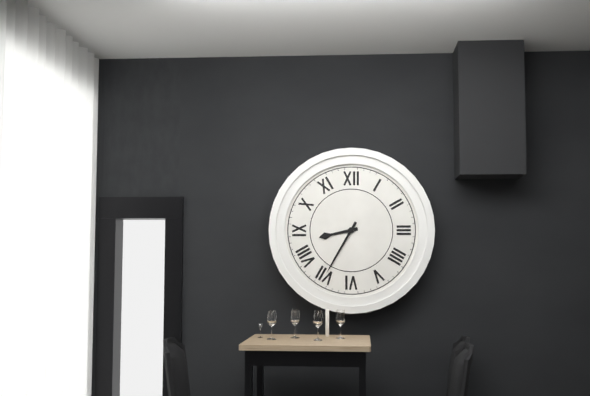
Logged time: 8:35
